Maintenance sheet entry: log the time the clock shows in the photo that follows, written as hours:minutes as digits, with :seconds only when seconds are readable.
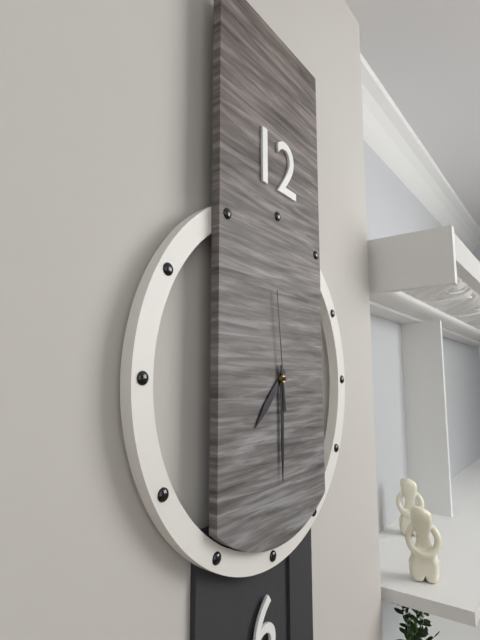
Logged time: 7:30:59
